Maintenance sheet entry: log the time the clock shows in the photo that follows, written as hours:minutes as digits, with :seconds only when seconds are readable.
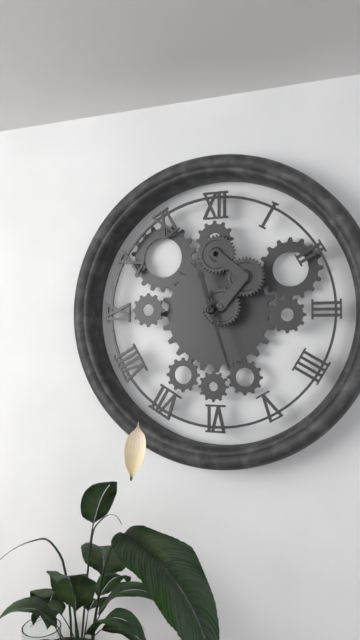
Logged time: 11:27
